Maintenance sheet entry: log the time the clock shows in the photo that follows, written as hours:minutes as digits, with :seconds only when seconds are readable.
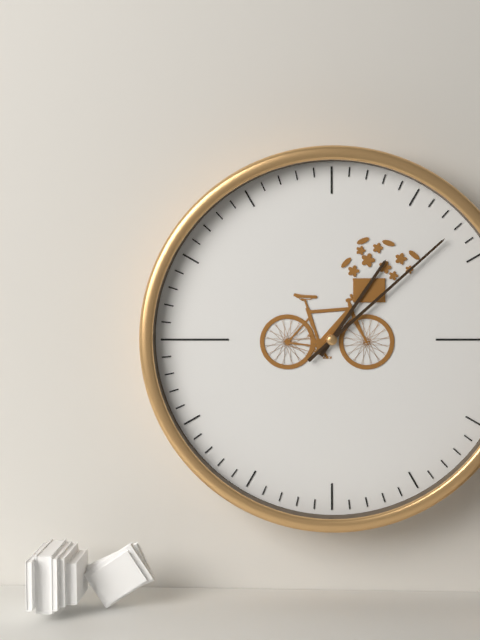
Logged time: 1:08
